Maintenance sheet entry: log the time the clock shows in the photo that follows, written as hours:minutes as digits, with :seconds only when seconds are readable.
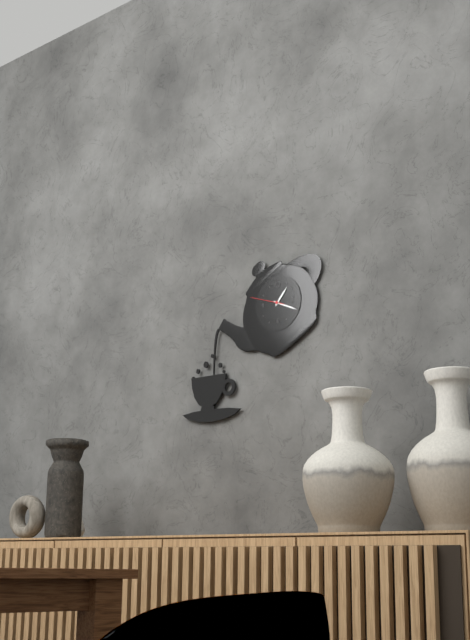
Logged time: 1:19
